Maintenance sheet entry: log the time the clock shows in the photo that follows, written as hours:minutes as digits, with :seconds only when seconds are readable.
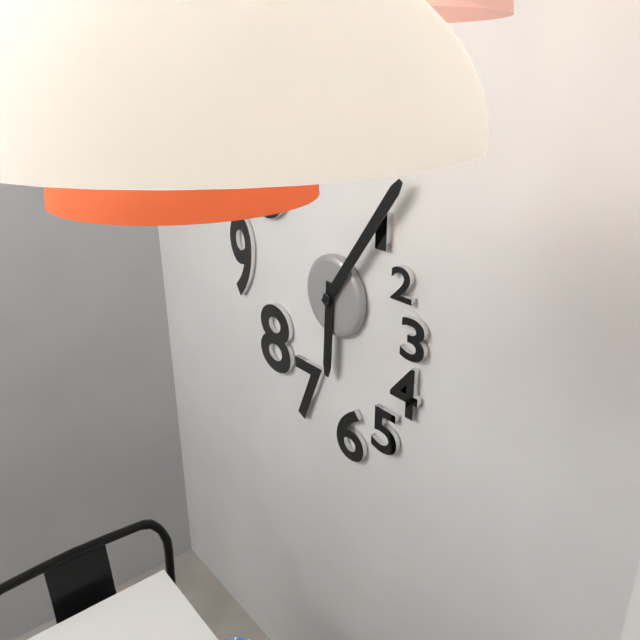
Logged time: 6:06
